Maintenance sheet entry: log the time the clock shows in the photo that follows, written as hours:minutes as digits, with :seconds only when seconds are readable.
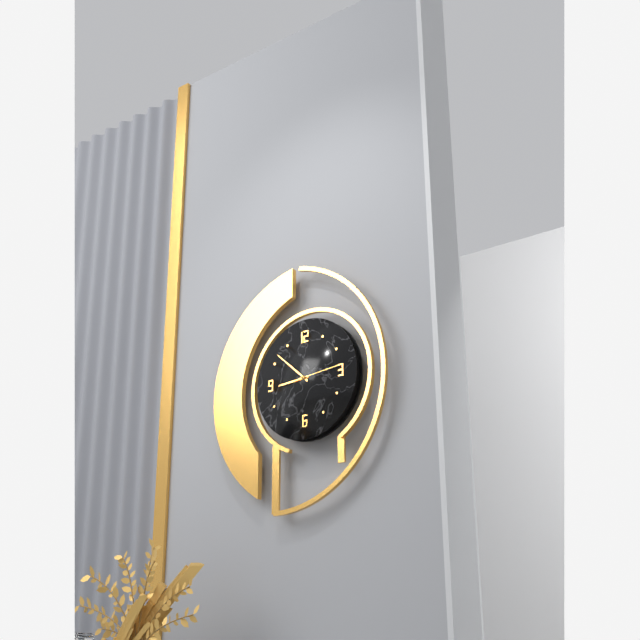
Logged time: 8:52
